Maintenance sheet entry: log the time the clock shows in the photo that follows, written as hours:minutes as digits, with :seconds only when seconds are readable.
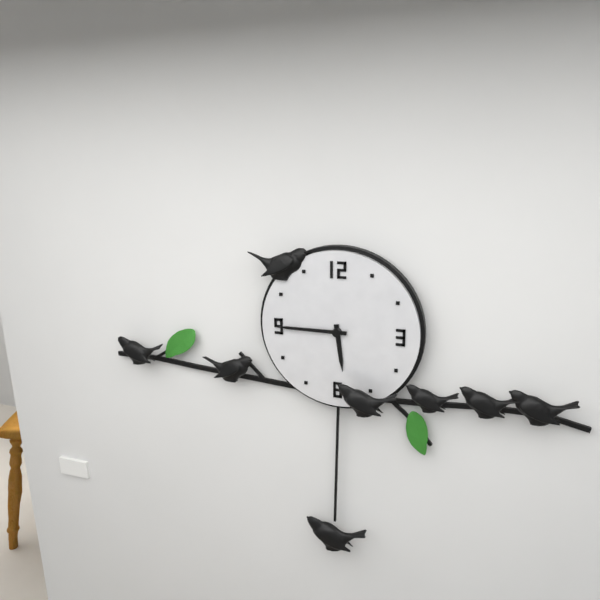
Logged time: 5:45
